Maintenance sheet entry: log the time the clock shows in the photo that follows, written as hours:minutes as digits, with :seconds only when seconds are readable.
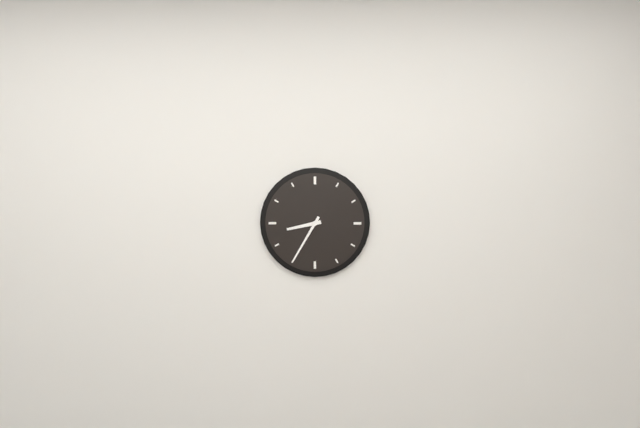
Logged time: 8:35
